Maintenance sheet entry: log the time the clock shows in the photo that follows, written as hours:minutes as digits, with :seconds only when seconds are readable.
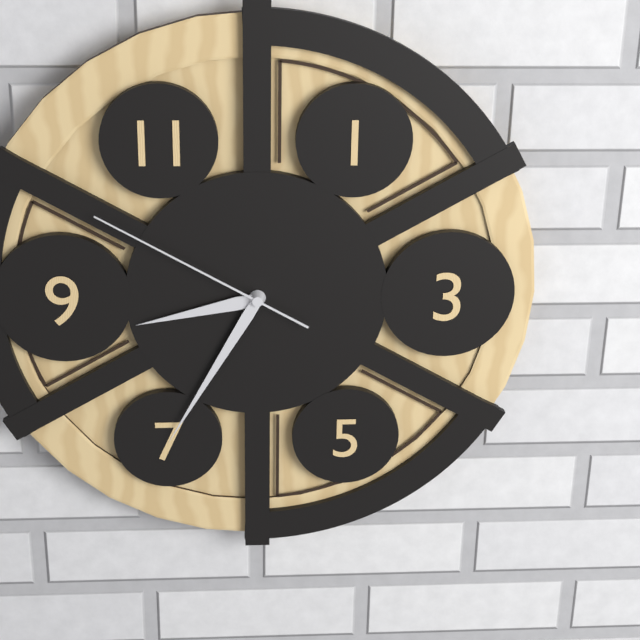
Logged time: 8:35:50
